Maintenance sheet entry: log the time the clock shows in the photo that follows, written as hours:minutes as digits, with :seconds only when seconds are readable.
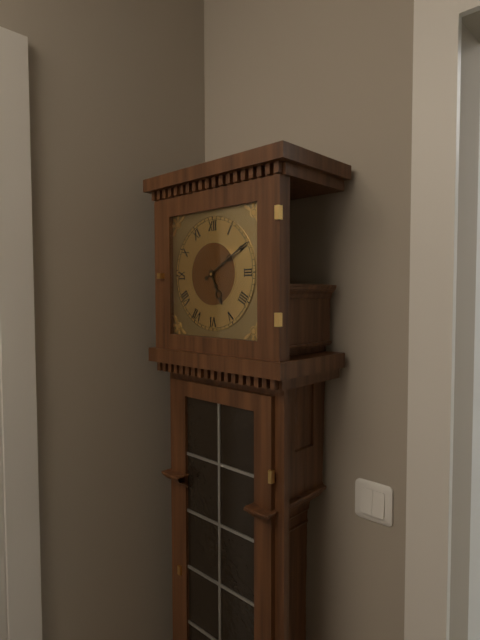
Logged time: 5:10
